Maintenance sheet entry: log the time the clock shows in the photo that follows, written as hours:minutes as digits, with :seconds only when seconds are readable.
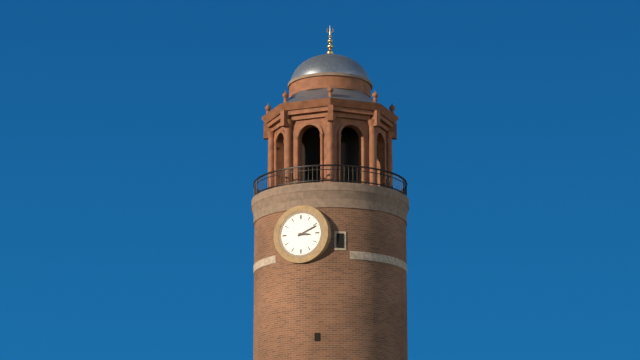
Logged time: 3:11
